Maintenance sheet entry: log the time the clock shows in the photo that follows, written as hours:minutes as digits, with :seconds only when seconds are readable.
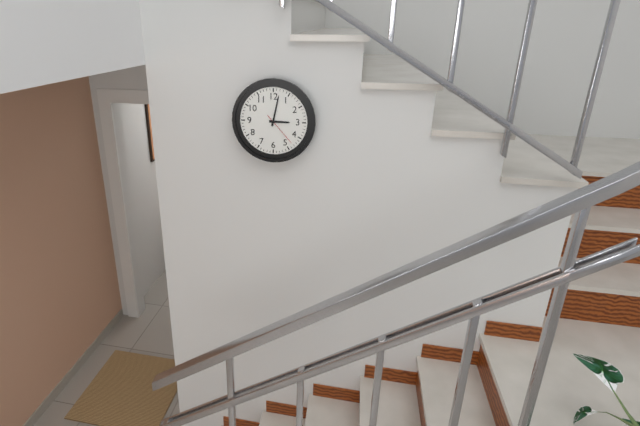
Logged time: 3:02
